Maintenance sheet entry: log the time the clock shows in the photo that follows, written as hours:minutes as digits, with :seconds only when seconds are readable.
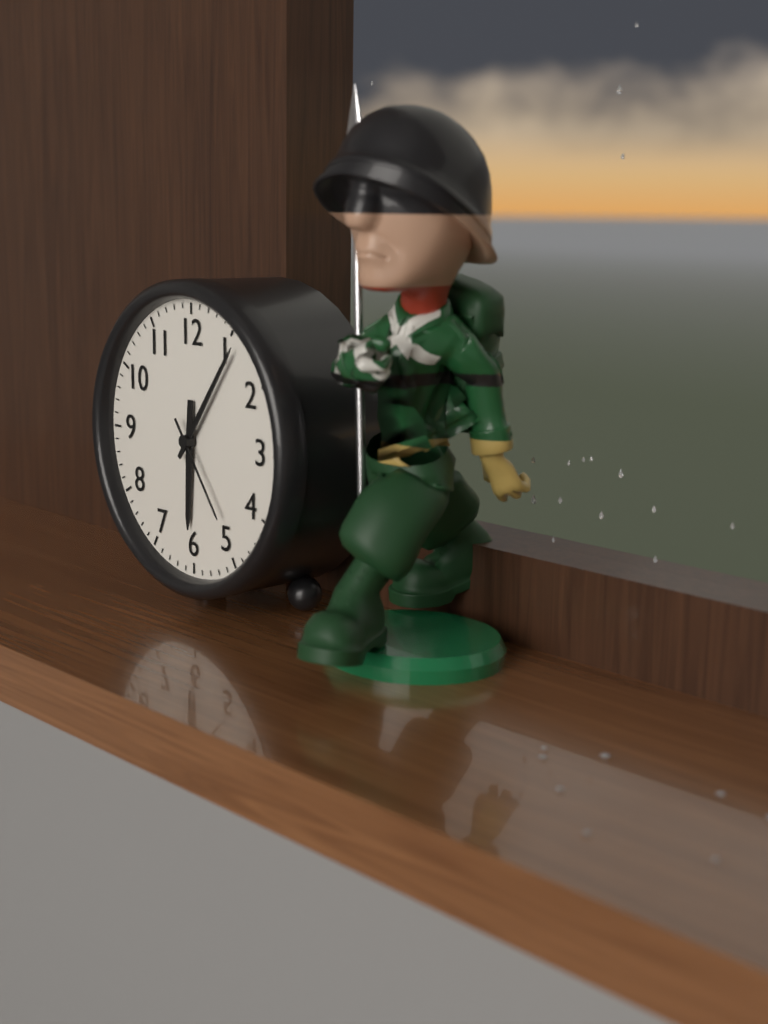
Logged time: 6:06:24
